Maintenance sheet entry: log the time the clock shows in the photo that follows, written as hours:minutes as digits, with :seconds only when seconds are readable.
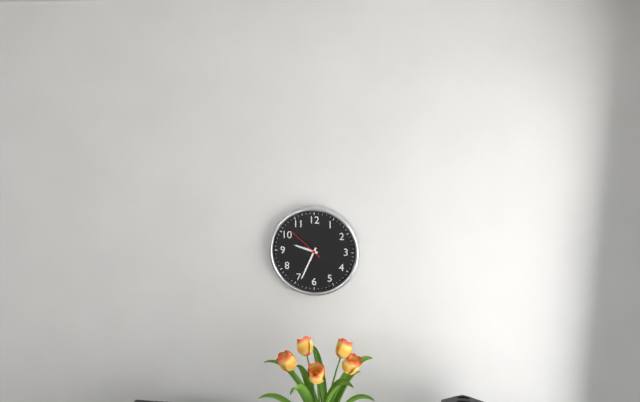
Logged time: 9:34
